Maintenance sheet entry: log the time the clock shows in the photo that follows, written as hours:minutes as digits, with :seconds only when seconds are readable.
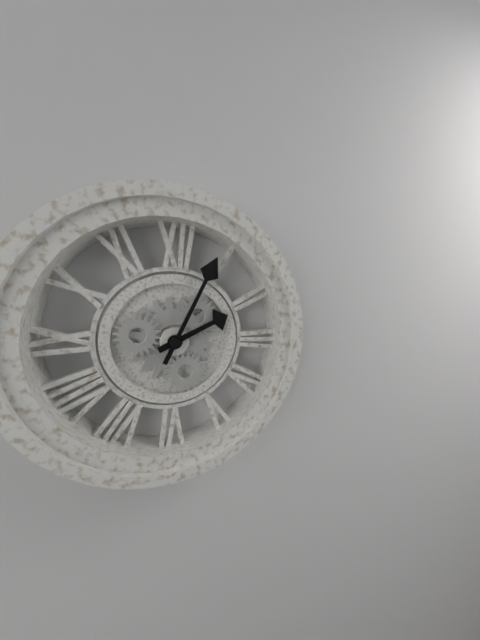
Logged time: 2:04
